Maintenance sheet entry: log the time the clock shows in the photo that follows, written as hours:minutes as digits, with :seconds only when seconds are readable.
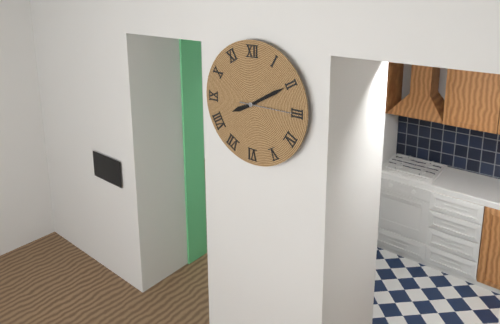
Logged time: 8:10
